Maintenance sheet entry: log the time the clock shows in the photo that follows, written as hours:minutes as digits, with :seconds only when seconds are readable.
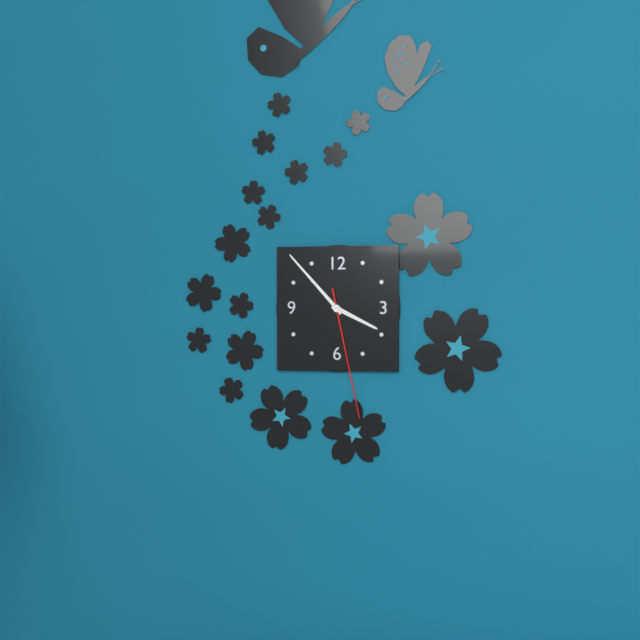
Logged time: 3:53:28
